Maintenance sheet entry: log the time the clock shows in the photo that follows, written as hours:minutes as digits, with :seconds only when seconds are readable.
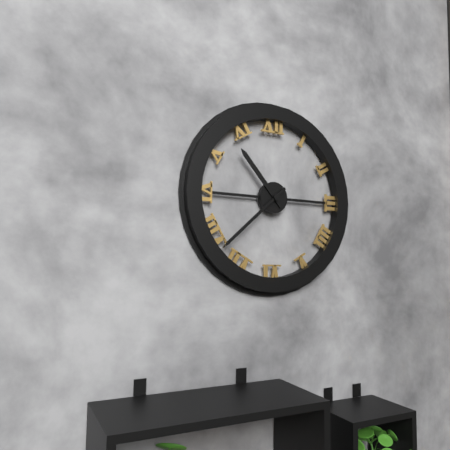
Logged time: 10:38
